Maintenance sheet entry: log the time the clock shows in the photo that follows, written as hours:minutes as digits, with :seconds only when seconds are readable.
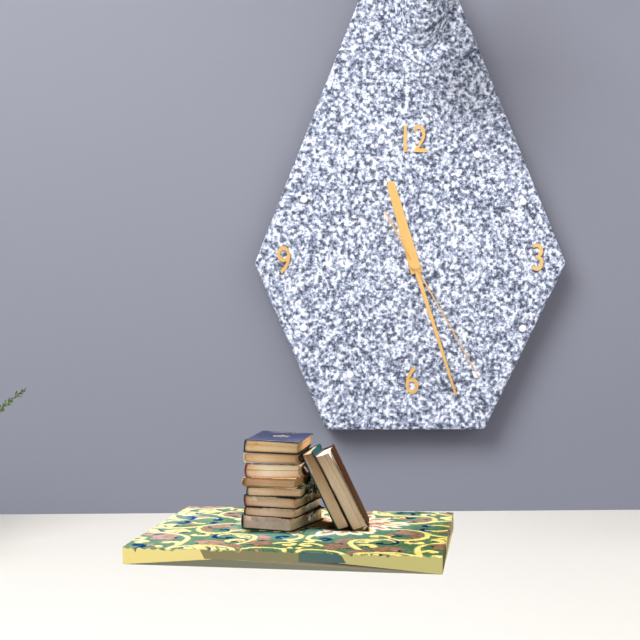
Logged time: 11:27:25
